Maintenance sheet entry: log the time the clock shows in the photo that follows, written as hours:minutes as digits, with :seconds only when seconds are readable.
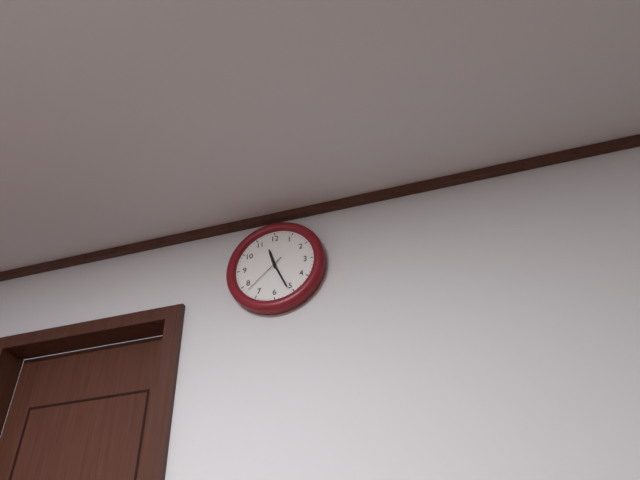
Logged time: 11:26
